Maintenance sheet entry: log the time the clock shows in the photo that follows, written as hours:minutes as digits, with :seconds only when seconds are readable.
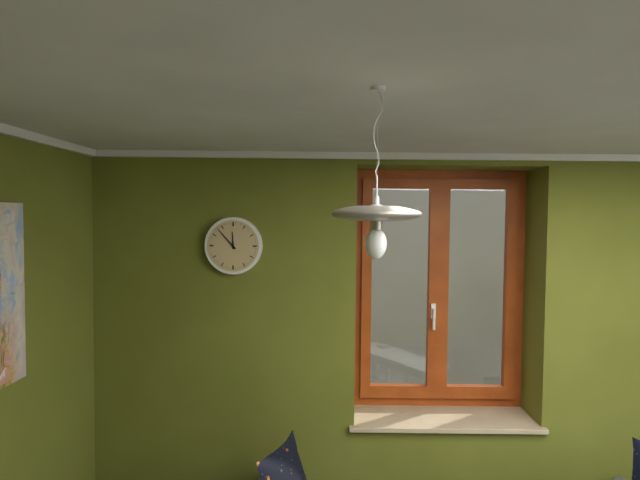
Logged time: 11:53
